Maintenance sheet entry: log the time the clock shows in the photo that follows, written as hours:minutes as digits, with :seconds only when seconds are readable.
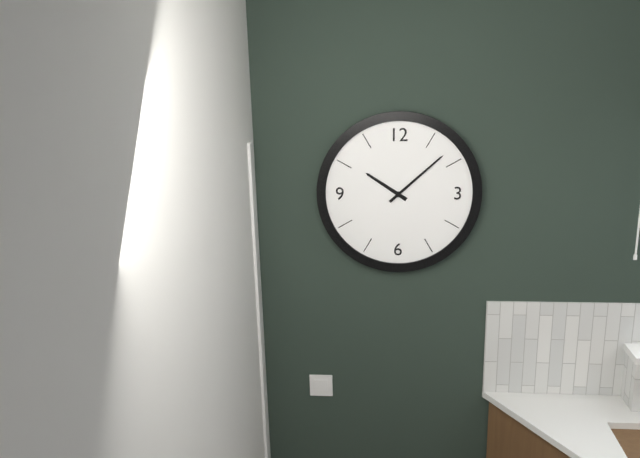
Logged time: 10:08
